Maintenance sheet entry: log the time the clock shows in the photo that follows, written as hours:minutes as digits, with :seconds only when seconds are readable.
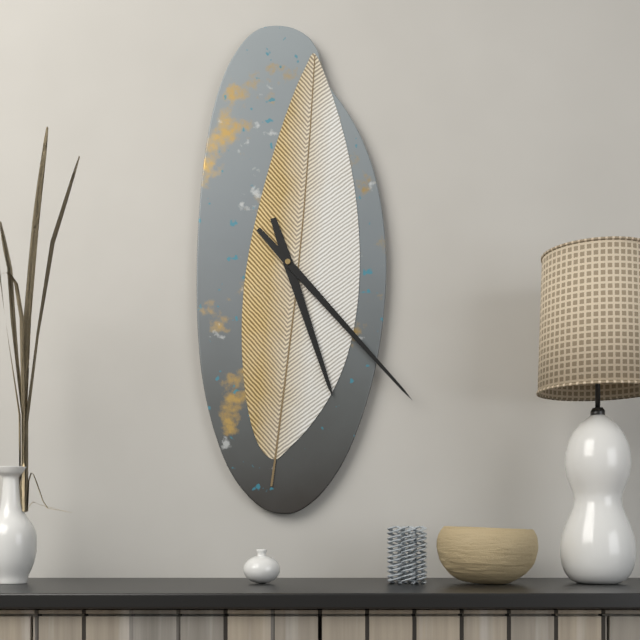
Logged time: 5:23
